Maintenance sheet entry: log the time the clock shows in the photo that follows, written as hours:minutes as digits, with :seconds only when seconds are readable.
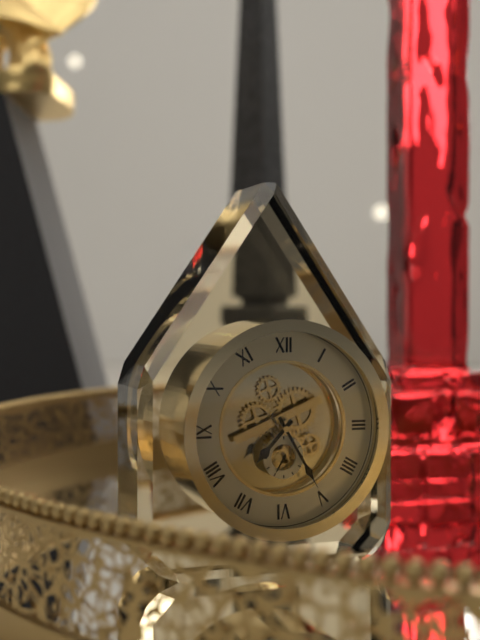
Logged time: 7:25
